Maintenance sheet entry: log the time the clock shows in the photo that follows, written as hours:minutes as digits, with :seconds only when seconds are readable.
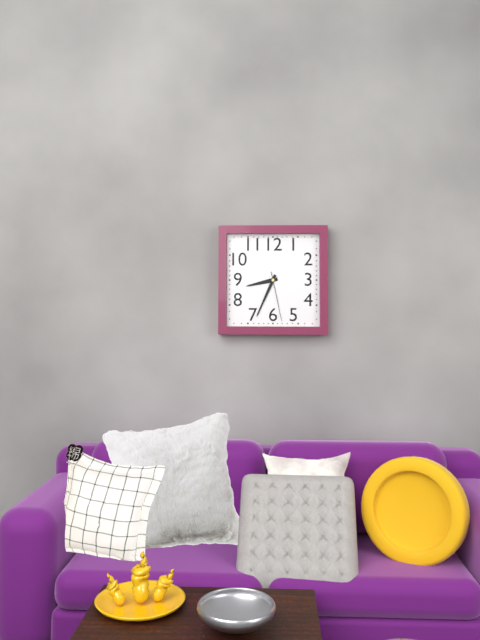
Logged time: 8:34:28
